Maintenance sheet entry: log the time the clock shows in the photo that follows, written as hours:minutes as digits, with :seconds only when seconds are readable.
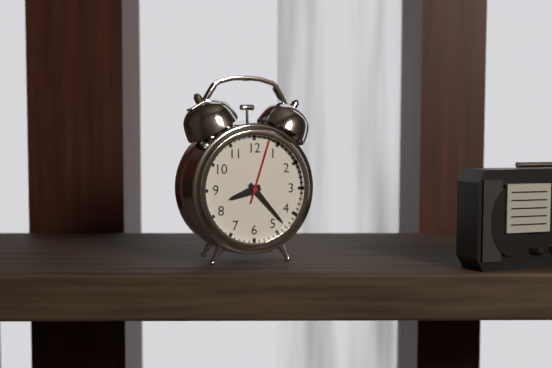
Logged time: 8:23:03
